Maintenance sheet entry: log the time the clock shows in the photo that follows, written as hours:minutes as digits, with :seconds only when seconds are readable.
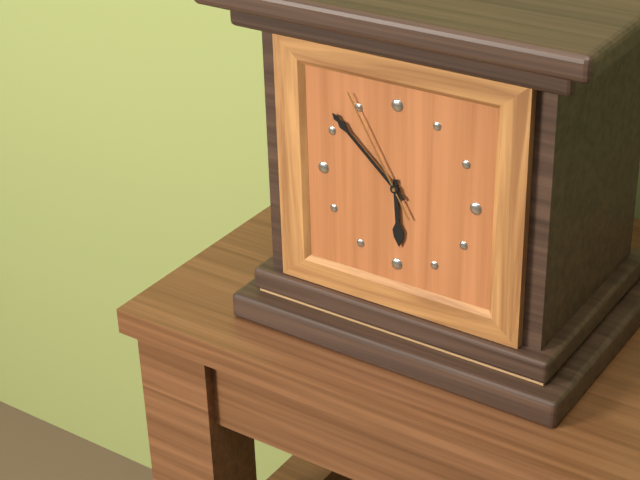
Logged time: 5:52:55
